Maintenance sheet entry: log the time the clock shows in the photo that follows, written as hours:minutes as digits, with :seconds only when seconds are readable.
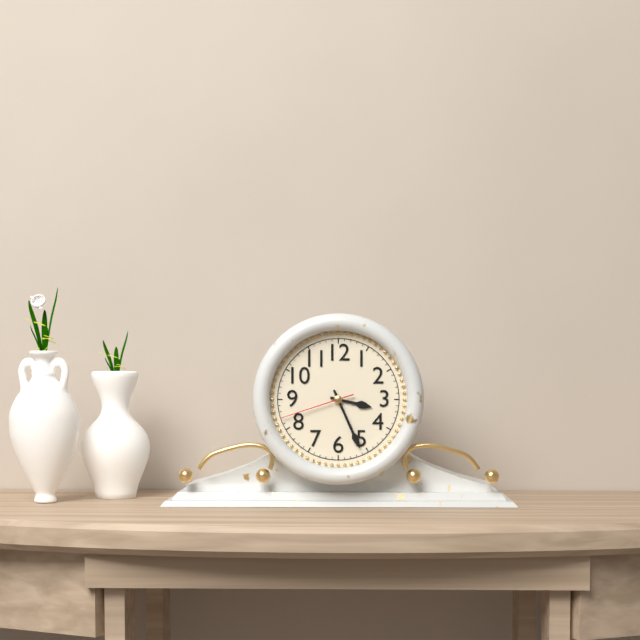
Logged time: 3:26:42
